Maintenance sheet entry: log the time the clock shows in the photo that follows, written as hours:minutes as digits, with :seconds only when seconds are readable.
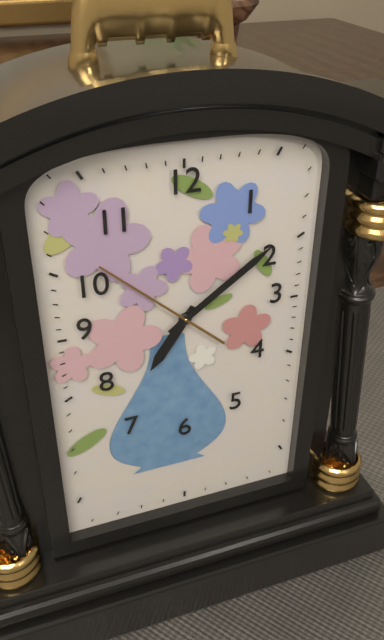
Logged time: 7:09:52
